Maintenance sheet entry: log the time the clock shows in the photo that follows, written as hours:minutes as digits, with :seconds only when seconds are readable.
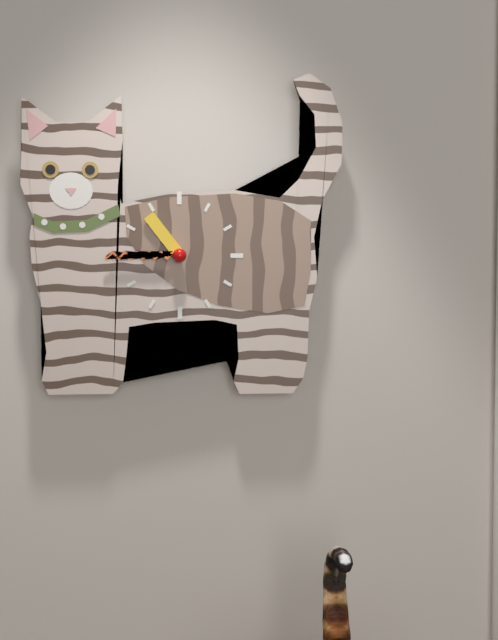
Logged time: 10:45
